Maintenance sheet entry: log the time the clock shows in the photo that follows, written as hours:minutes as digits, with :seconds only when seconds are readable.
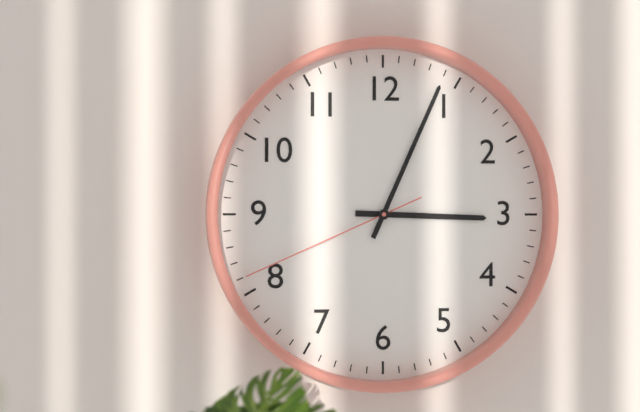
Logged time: 3:04:41
